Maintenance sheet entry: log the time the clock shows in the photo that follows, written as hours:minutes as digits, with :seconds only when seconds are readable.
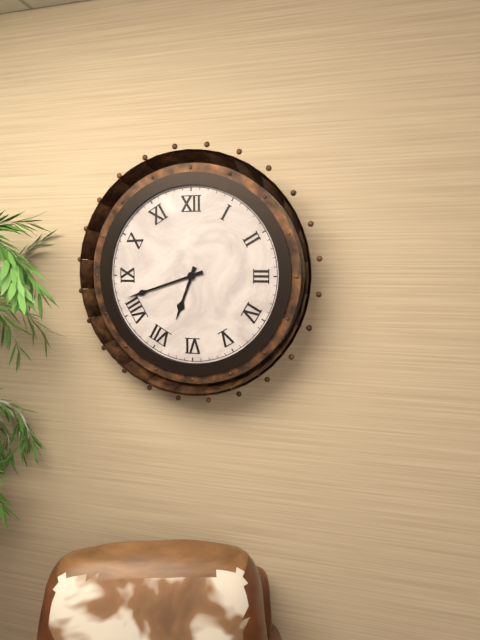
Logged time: 6:42
